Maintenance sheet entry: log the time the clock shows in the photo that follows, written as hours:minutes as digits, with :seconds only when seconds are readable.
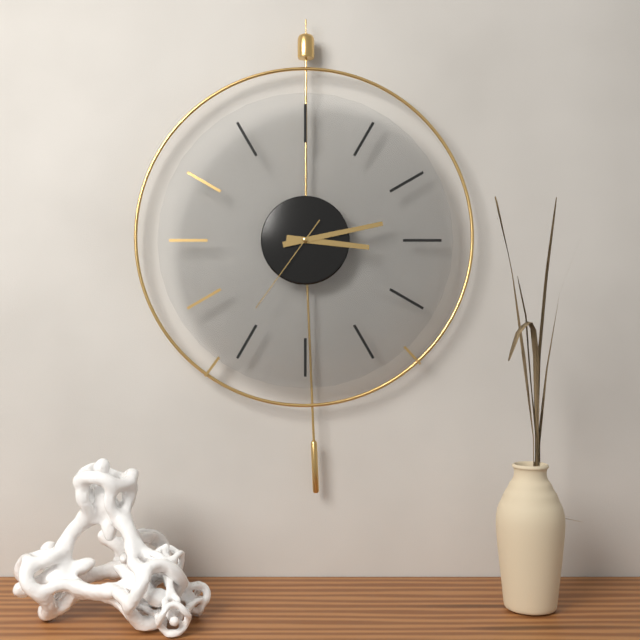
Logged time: 3:13:36
